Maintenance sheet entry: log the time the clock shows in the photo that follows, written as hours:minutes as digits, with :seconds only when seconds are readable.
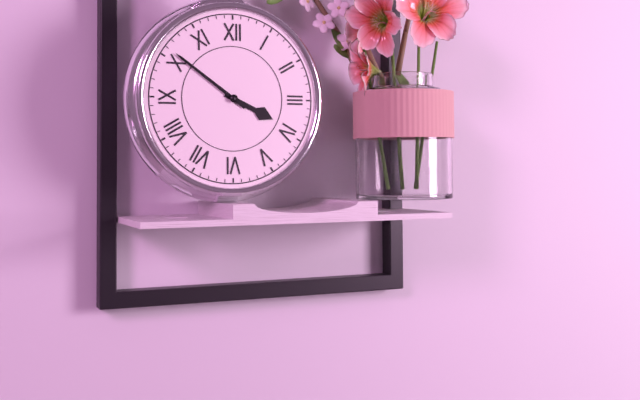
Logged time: 3:51
